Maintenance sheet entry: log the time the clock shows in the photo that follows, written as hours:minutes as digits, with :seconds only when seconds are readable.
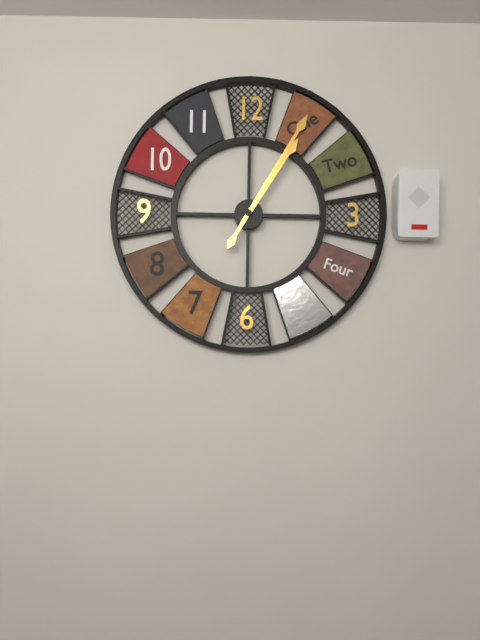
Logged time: 1:05
